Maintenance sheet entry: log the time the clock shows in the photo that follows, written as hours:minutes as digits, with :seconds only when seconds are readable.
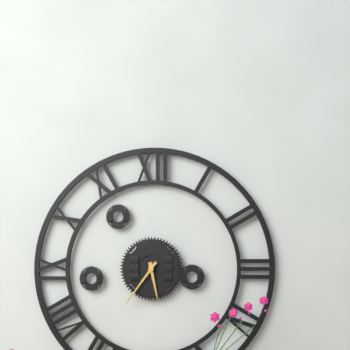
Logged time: 5:36
